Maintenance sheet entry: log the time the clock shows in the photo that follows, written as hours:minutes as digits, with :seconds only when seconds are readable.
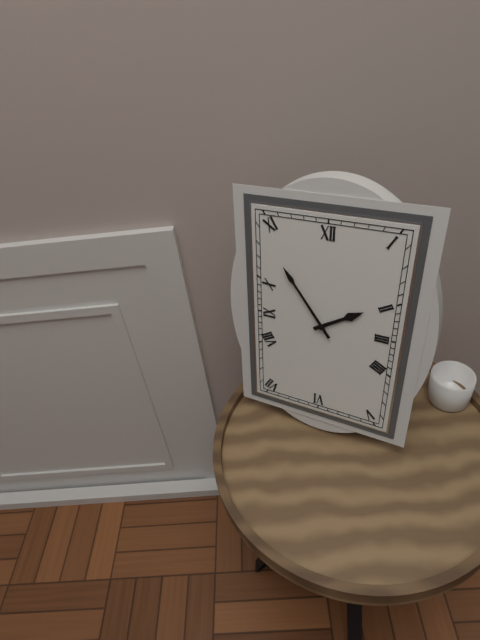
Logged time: 1:54
